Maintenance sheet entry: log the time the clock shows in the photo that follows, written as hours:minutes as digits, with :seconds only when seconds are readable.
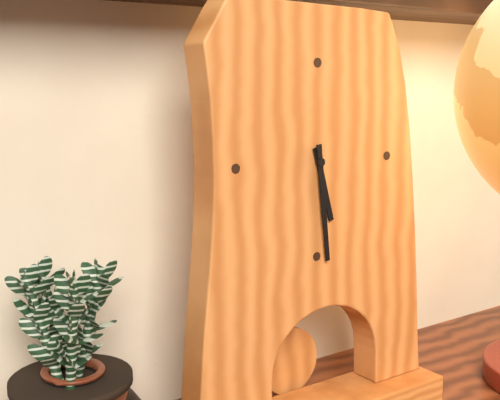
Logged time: 5:29
